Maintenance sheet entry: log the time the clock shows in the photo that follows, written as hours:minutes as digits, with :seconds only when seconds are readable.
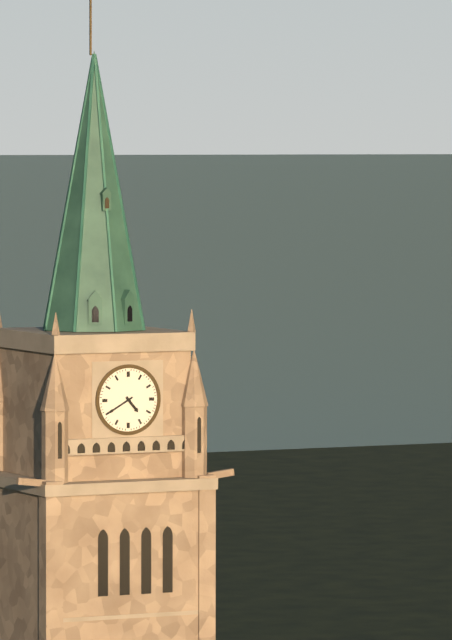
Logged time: 4:40
